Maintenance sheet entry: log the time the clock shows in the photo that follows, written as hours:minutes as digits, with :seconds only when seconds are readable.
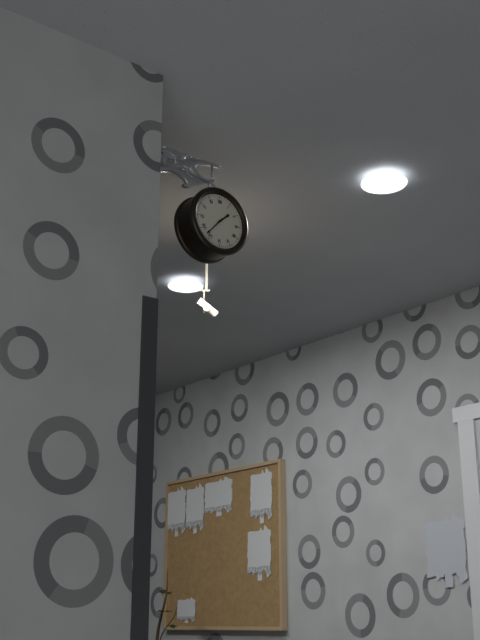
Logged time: 1:37
